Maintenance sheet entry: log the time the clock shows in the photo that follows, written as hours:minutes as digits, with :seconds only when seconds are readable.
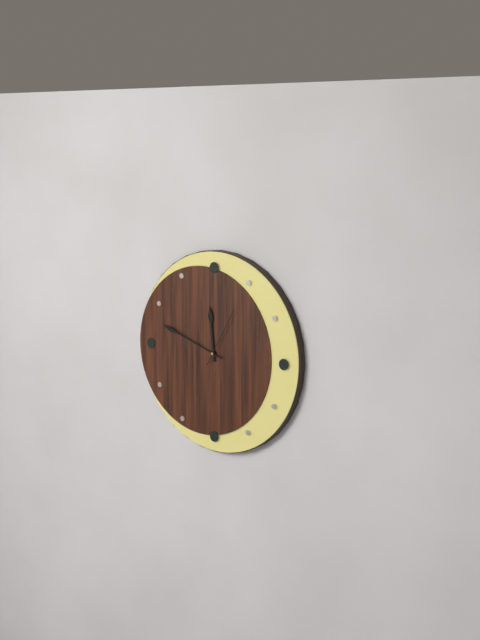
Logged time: 11:48:05
